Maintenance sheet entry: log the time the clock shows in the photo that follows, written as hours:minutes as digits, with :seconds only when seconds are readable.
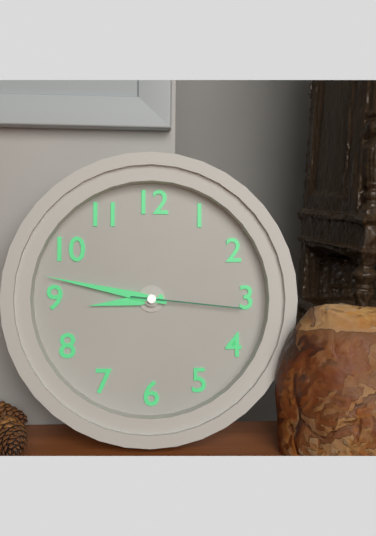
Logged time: 8:47:16
